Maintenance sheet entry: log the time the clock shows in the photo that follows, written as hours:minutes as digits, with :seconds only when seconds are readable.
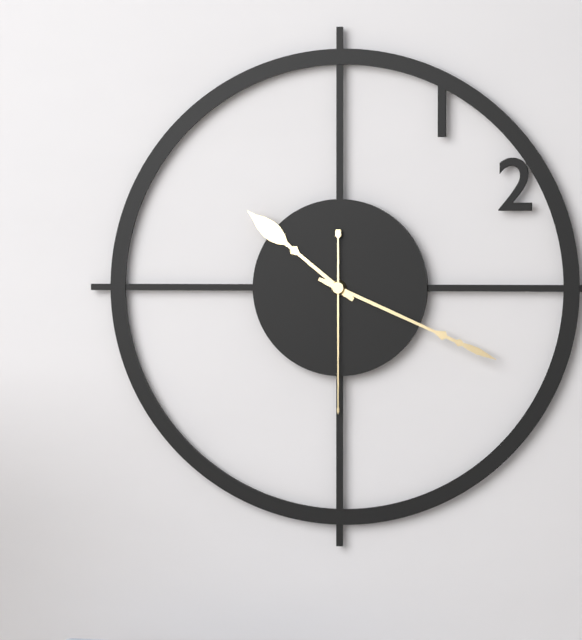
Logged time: 10:19:30
